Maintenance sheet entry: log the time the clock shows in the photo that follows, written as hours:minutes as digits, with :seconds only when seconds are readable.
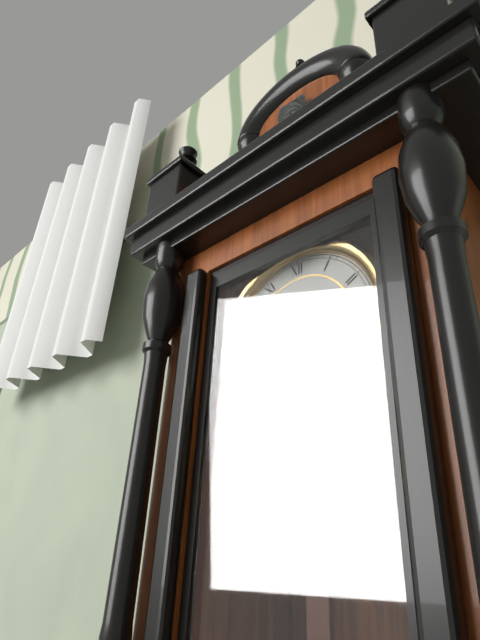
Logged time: 7:30
